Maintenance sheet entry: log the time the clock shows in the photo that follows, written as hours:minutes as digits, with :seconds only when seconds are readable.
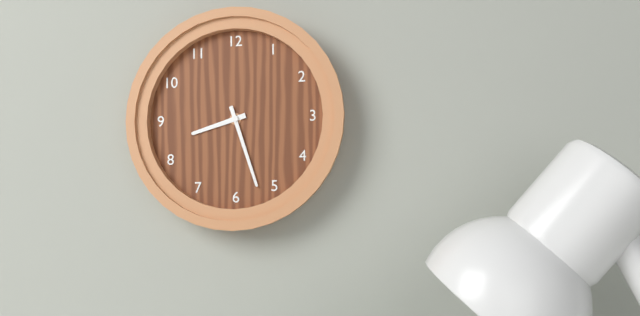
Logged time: 8:27
